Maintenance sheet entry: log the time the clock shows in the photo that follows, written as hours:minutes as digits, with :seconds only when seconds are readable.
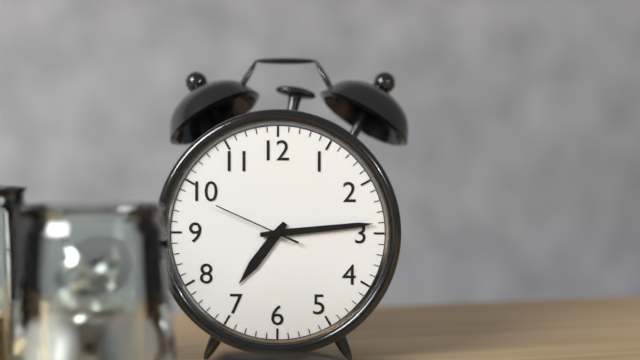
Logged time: 7:14:49
